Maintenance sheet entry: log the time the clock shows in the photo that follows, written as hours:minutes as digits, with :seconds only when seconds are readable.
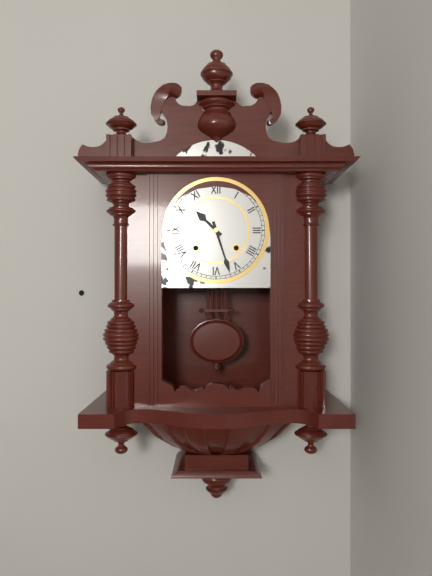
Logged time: 10:27
